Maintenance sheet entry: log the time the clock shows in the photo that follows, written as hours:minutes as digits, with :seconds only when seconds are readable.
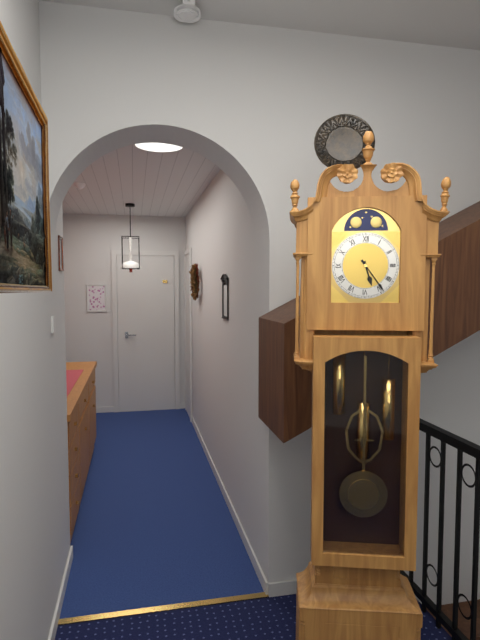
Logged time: 5:24
